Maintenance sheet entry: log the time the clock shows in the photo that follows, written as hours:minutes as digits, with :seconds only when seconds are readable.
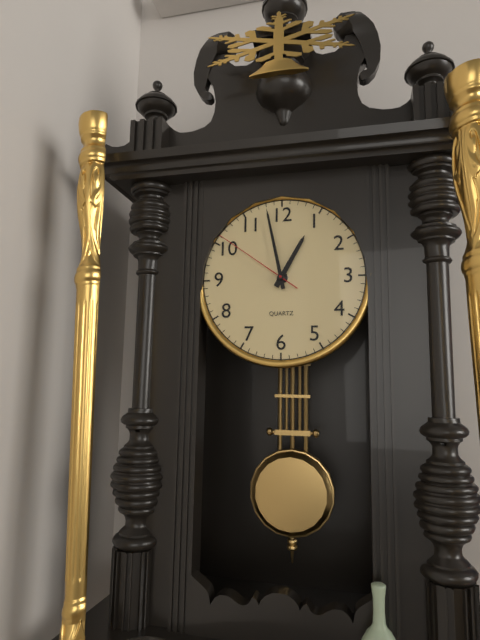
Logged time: 12:58:51
